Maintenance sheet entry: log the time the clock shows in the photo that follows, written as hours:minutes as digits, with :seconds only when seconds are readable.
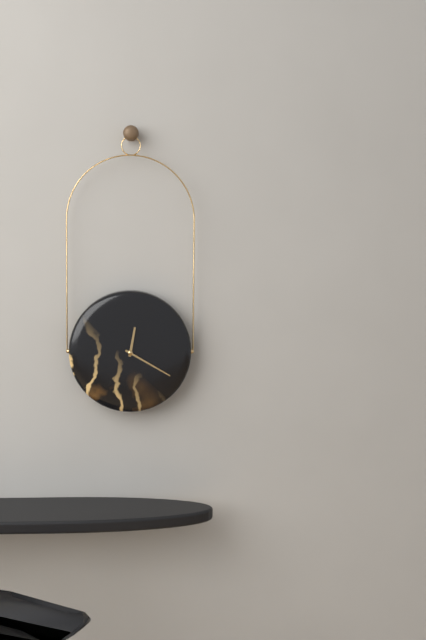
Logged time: 12:20
